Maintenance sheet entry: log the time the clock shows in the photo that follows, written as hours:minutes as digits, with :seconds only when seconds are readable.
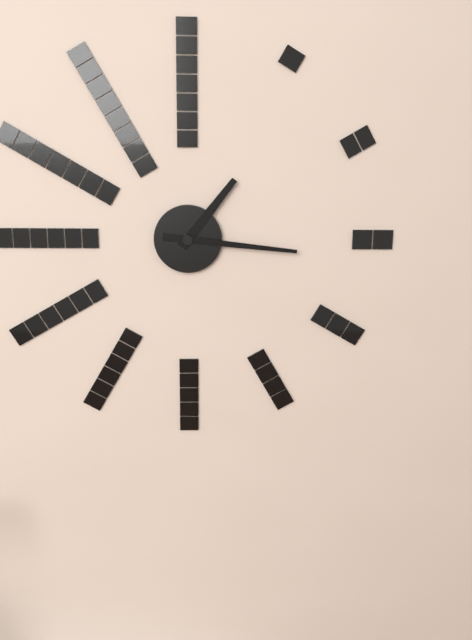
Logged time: 1:16
